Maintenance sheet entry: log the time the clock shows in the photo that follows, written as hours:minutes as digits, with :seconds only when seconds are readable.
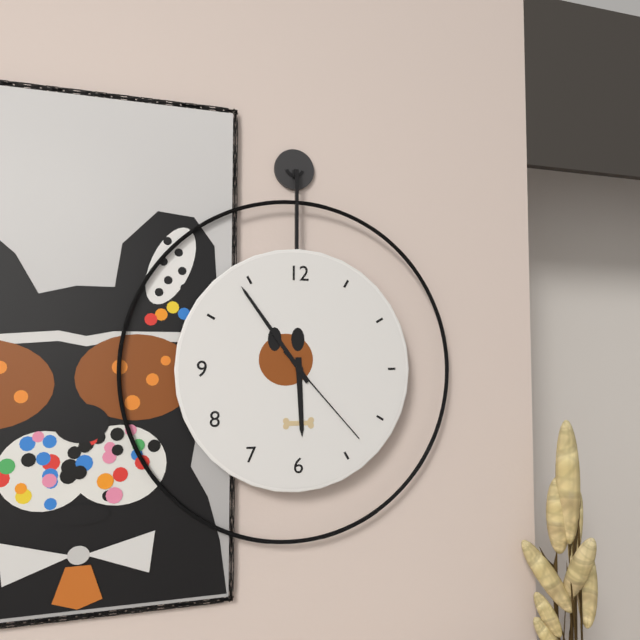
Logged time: 5:54:23
